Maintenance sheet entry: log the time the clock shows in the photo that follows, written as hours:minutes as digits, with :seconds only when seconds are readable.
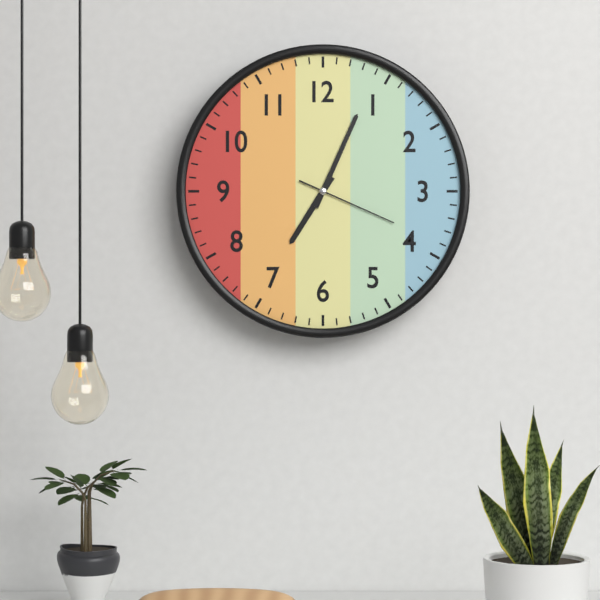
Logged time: 7:04:19
